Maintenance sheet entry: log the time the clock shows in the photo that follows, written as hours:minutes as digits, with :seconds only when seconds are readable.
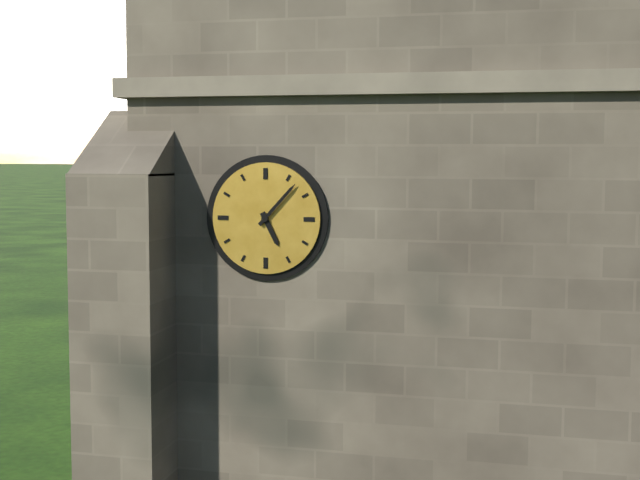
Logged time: 5:07
